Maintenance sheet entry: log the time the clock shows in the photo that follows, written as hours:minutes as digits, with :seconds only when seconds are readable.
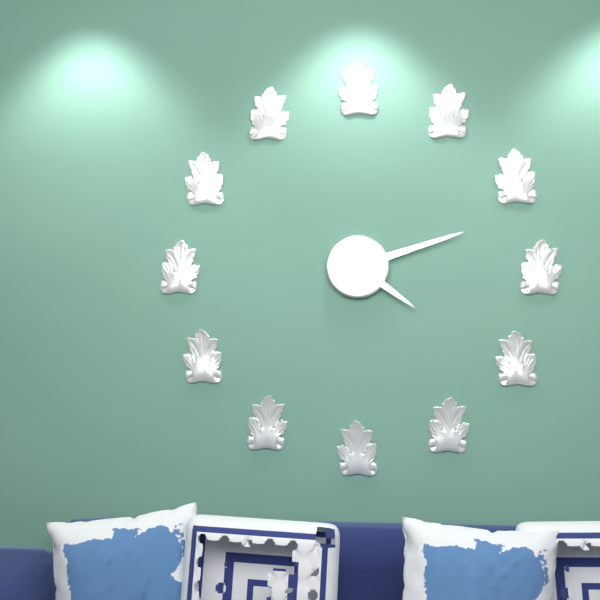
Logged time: 4:12
